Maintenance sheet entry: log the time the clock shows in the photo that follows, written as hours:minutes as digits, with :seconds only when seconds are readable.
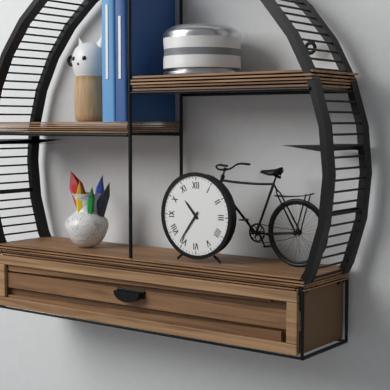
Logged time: 10:36
